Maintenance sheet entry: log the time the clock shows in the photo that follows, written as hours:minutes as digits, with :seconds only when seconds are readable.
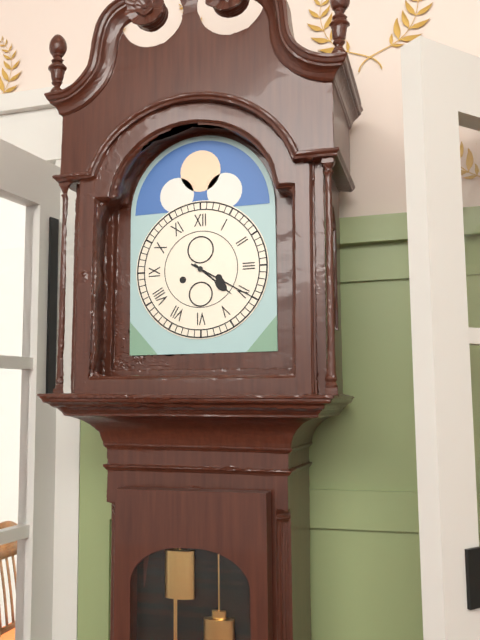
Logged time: 4:20
